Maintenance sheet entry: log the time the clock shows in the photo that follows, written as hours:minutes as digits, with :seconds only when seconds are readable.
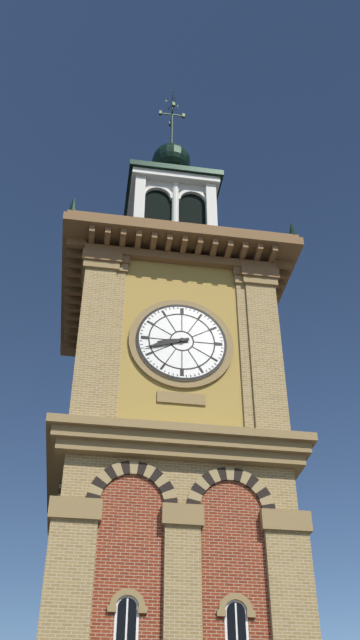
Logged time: 8:42
